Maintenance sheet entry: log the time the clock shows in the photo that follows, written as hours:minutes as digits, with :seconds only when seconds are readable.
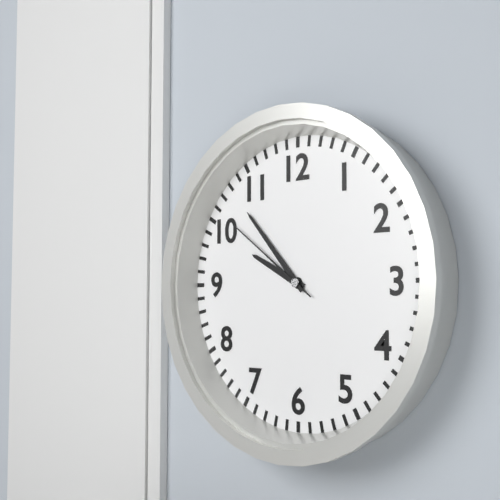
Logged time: 9:53:51
